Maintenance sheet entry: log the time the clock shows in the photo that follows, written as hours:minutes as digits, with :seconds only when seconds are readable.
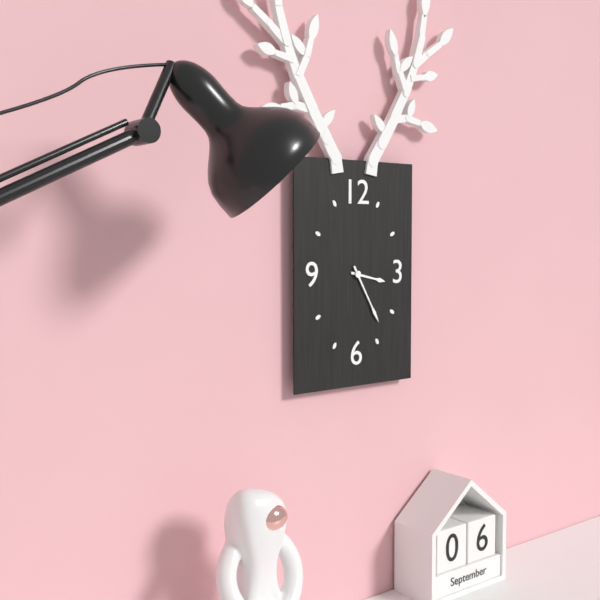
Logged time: 3:25
